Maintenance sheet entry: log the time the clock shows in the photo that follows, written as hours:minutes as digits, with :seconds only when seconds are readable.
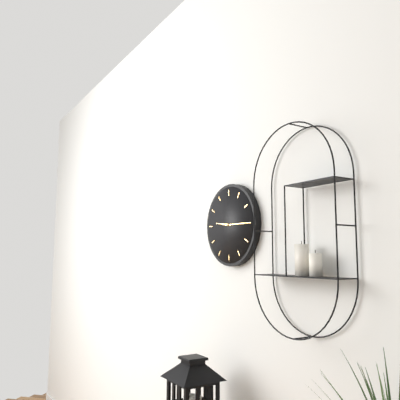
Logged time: 9:15
